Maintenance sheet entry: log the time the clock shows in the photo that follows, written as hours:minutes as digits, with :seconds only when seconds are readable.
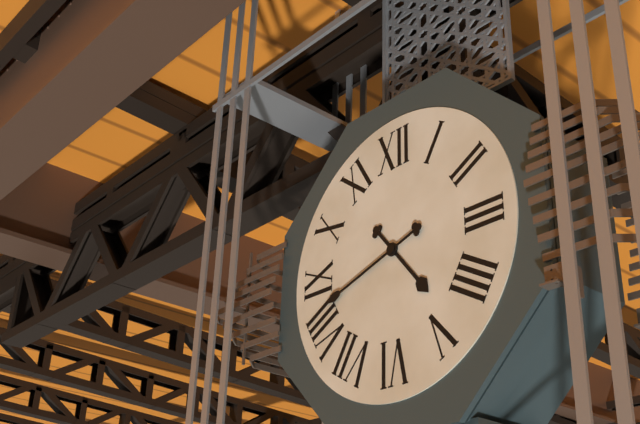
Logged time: 4:42
